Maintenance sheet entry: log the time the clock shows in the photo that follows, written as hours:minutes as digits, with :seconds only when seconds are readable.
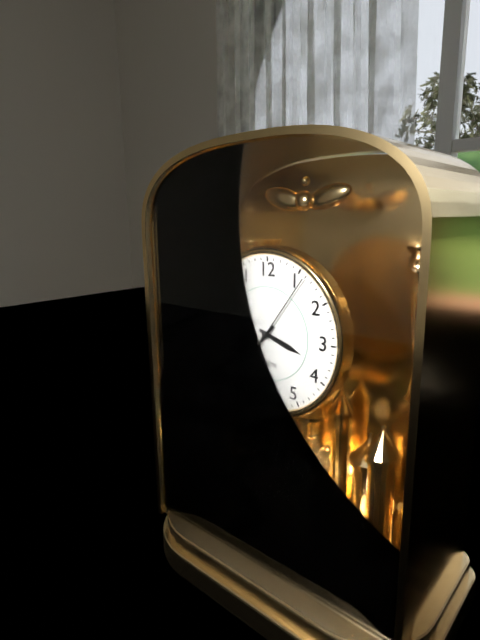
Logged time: 3:37:06
